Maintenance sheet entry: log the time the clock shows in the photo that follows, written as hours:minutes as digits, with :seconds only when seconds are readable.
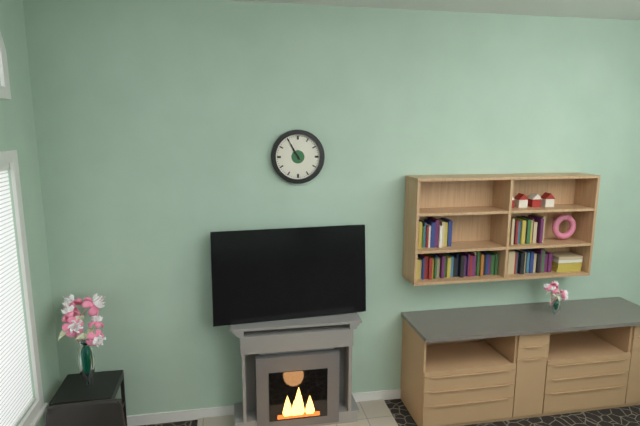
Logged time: 10:55
